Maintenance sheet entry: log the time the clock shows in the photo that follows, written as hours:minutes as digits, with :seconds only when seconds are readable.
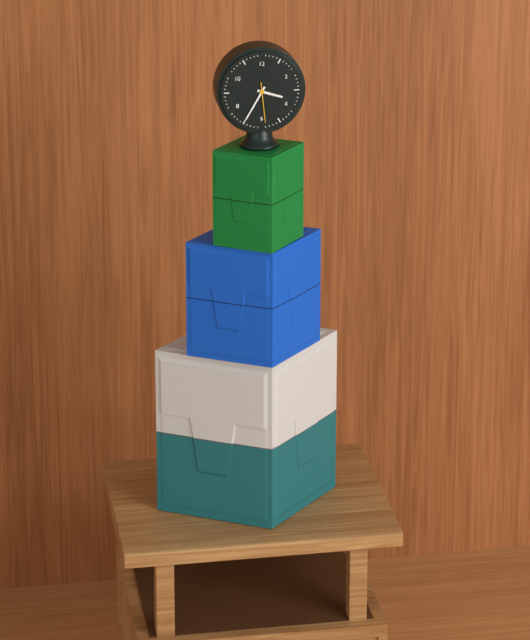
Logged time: 3:35
